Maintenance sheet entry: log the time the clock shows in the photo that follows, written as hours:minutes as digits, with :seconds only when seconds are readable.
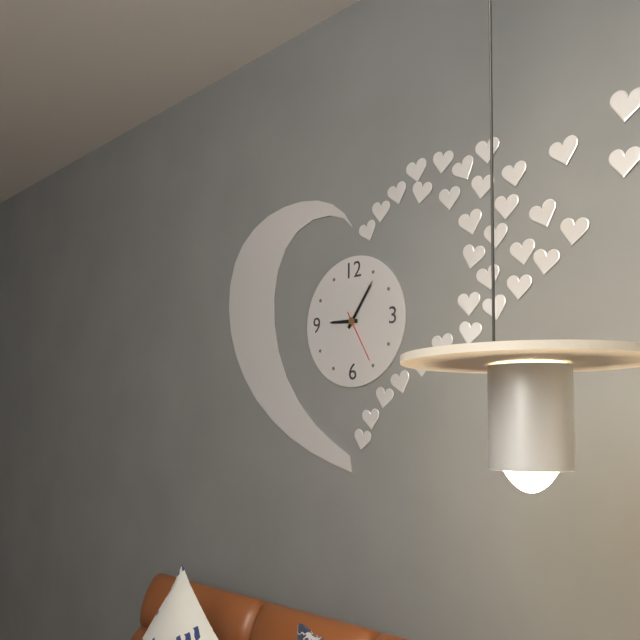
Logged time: 9:06:25
